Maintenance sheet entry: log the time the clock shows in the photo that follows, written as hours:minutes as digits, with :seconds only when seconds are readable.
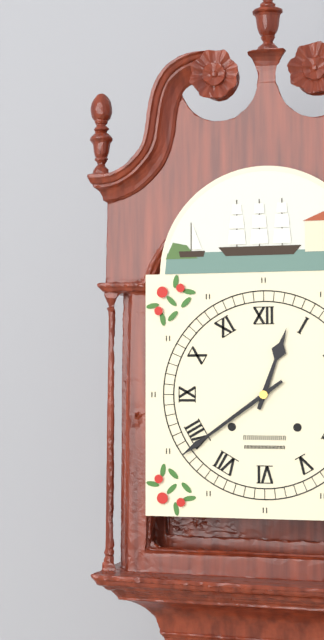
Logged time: 12:39
